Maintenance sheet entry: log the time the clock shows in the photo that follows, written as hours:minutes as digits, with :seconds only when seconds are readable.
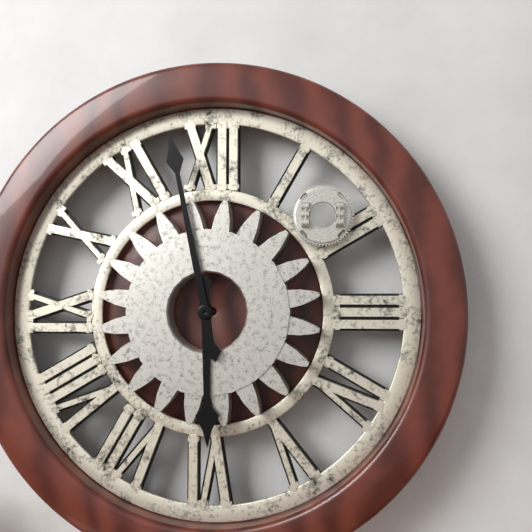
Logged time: 5:58
